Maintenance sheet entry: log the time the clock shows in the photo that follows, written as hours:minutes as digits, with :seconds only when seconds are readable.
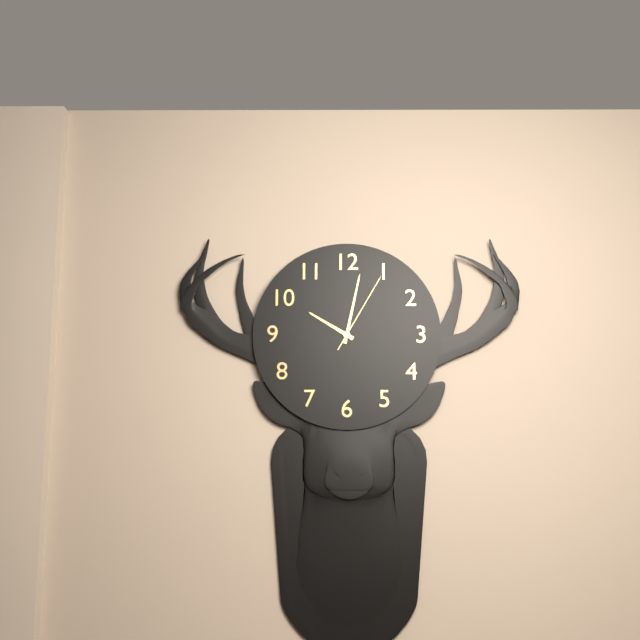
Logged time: 10:02:05
